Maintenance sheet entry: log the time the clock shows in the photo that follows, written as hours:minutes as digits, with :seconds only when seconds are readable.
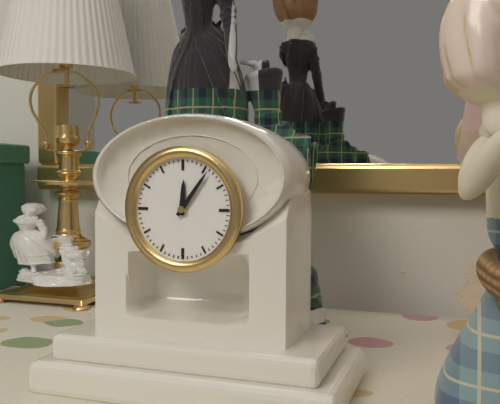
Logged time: 12:06
